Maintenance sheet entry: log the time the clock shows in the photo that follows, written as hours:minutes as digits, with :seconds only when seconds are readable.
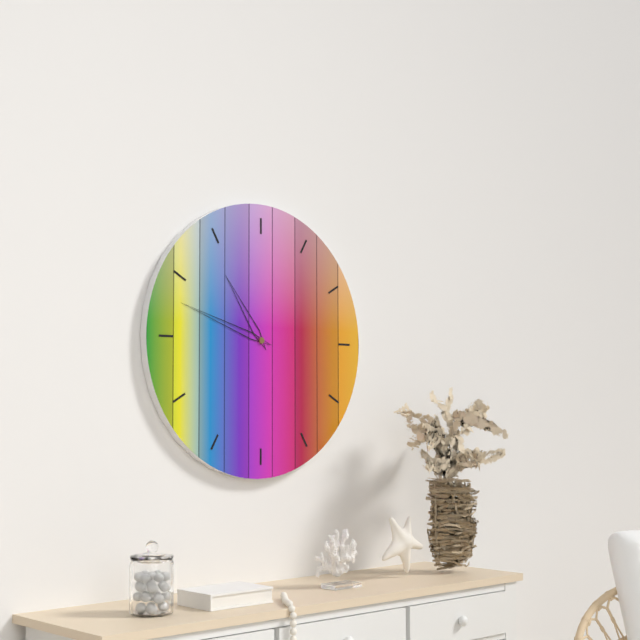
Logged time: 10:48
